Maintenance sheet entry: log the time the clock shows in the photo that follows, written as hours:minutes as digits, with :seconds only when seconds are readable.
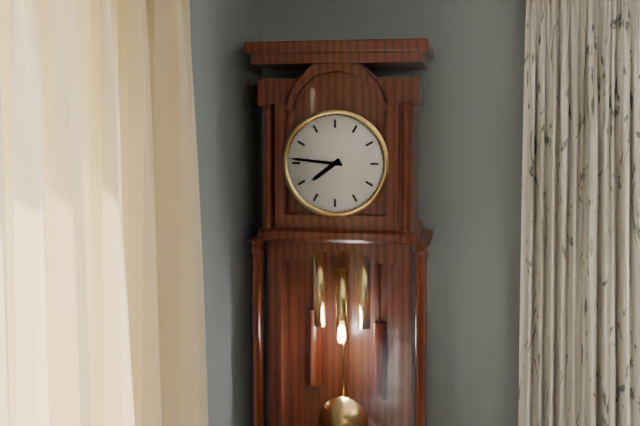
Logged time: 7:46
